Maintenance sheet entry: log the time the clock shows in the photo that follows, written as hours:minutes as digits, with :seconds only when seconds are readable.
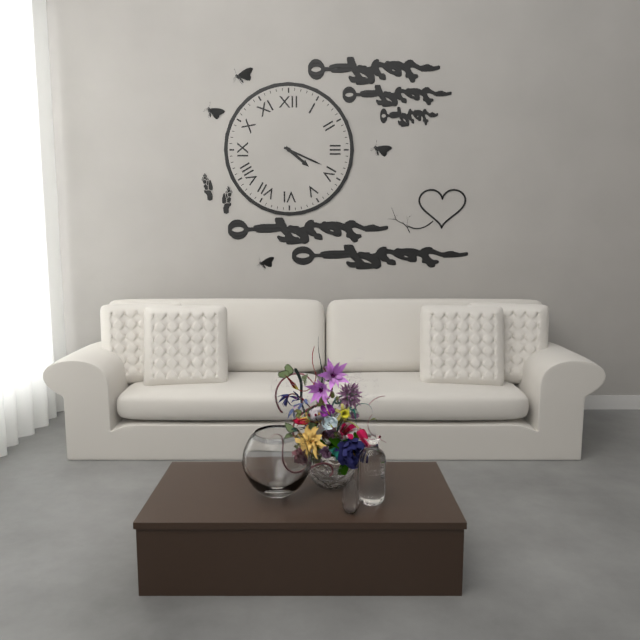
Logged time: 4:19
